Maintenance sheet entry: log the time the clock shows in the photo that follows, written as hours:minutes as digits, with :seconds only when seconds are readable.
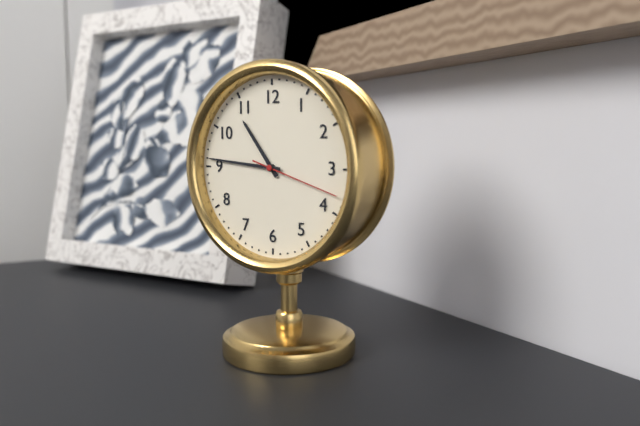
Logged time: 10:46:18
